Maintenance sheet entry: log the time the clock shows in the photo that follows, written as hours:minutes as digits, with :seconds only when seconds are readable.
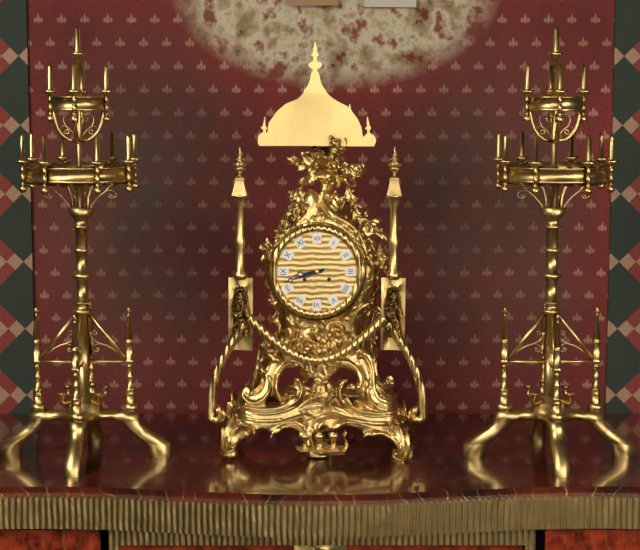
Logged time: 8:42
